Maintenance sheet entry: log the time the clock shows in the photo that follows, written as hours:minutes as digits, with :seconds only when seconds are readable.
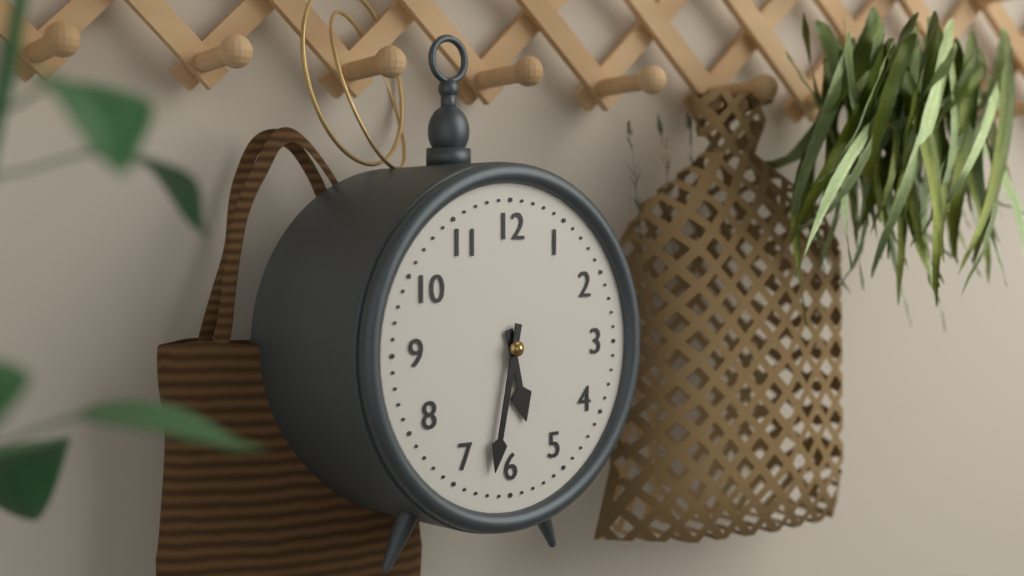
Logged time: 5:32
